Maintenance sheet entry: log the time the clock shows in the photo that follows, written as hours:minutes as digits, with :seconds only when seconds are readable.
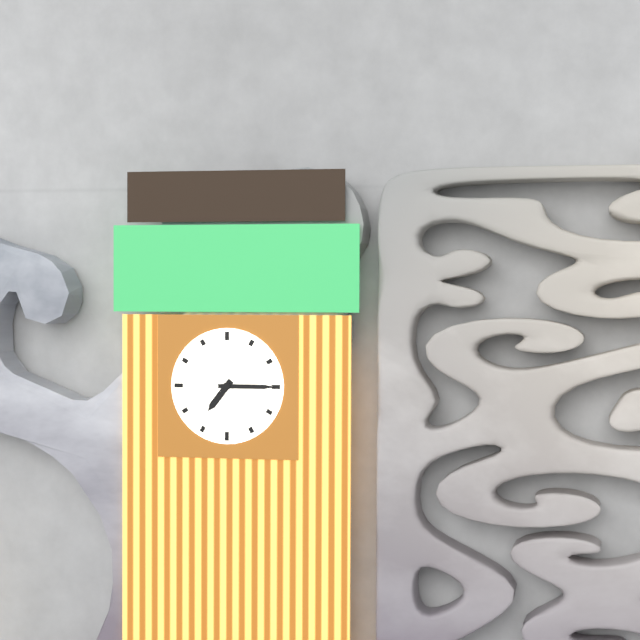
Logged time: 7:15
